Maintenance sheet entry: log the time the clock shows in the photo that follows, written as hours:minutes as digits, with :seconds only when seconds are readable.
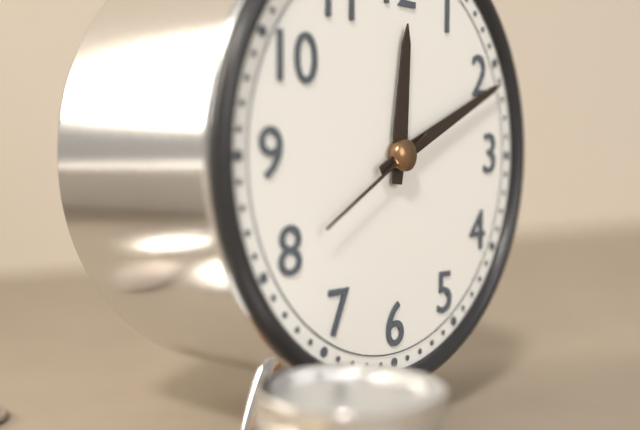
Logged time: 12:11:40
